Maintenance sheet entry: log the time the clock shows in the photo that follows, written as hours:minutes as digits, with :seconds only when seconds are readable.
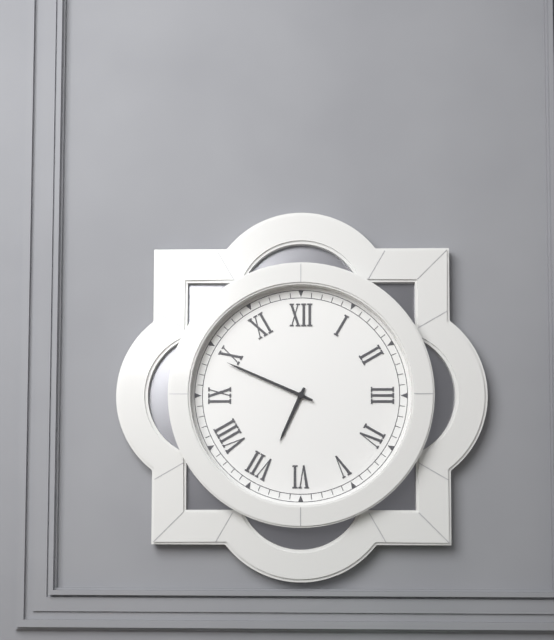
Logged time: 6:49
